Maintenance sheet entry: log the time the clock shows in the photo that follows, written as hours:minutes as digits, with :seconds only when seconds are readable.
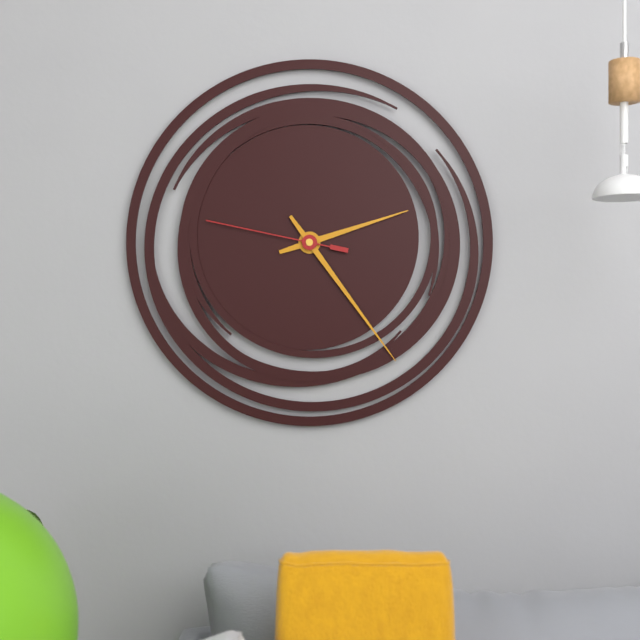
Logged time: 2:24:47
